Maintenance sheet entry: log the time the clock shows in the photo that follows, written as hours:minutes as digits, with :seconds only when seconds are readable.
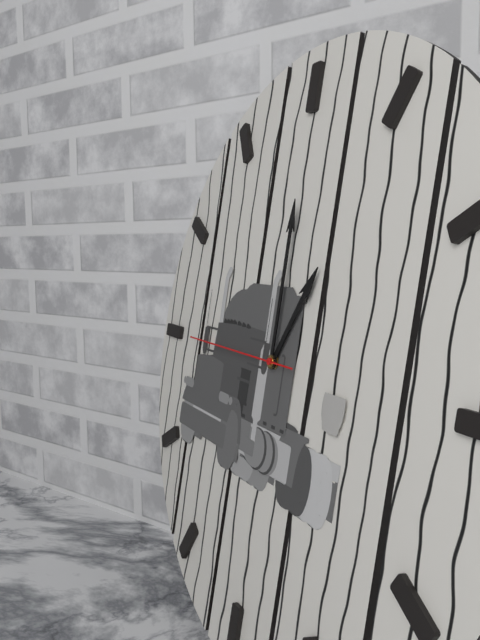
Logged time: 1:00:45
